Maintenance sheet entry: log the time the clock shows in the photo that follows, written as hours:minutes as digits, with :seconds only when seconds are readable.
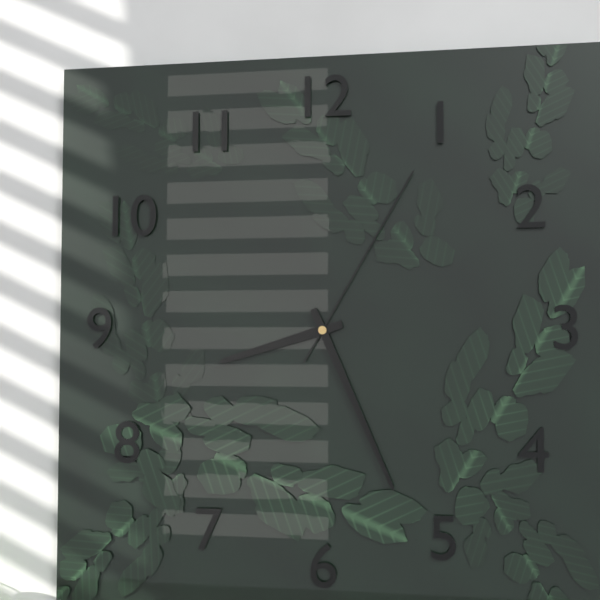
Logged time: 8:26:05
